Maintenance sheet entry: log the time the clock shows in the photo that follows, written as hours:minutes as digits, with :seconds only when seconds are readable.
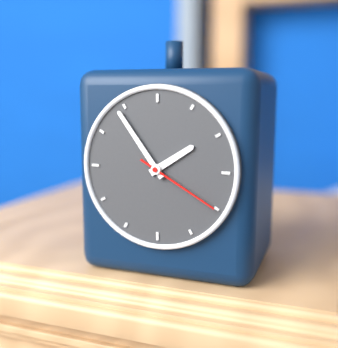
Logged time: 1:54:20
